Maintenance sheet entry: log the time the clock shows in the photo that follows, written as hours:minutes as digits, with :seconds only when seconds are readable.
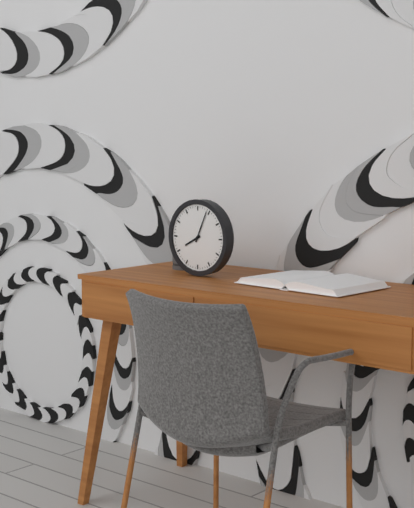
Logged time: 8:04
